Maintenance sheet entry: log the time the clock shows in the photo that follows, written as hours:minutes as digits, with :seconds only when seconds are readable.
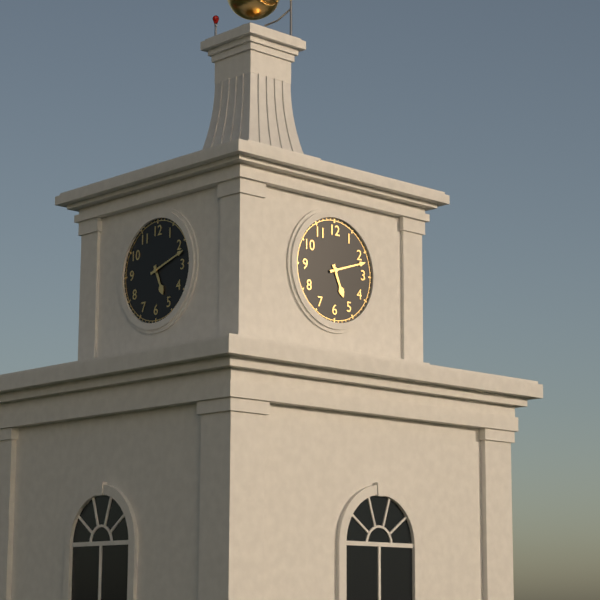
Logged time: 5:12
